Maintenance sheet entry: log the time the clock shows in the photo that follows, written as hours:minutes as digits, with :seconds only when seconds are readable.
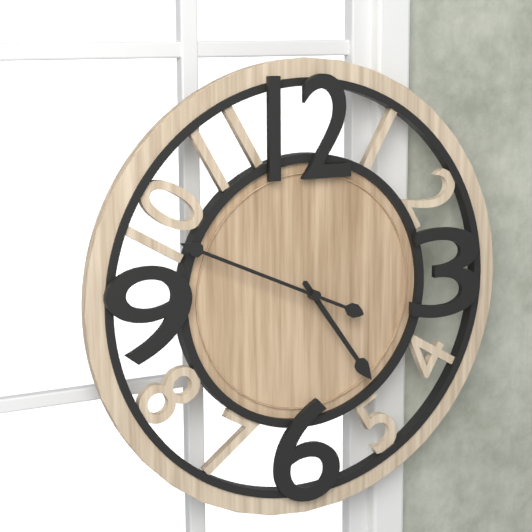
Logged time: 4:49
